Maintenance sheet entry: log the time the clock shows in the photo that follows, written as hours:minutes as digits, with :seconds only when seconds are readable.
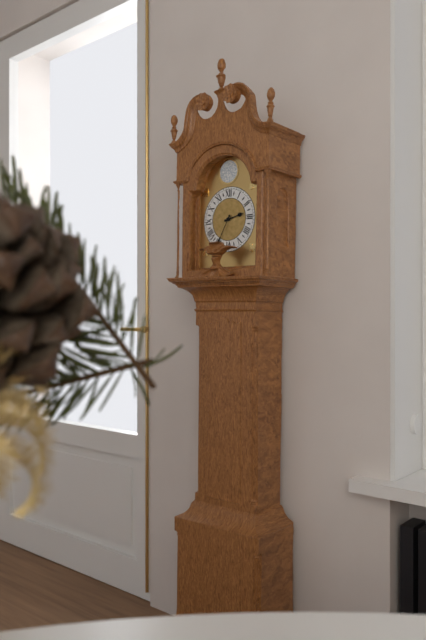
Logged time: 2:35
